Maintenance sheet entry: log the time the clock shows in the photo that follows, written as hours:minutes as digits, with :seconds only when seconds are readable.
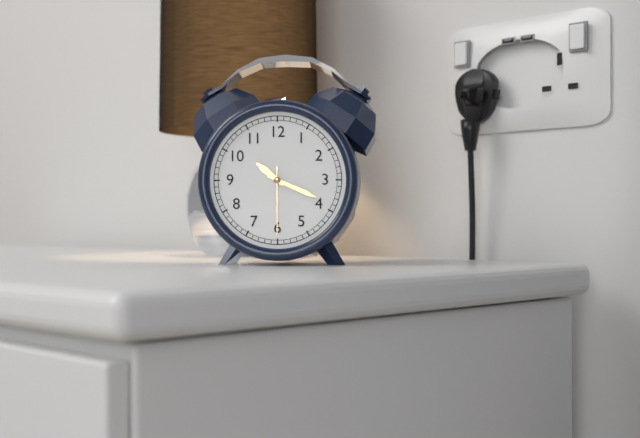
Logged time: 10:19:30
